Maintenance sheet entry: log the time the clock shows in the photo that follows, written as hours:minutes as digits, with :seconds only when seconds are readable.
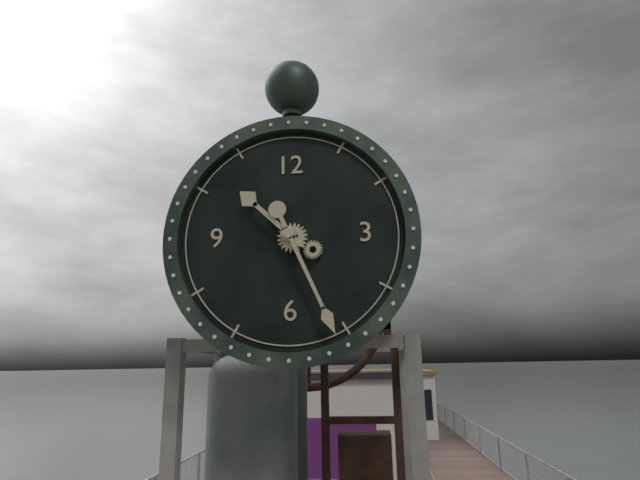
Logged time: 10:26
